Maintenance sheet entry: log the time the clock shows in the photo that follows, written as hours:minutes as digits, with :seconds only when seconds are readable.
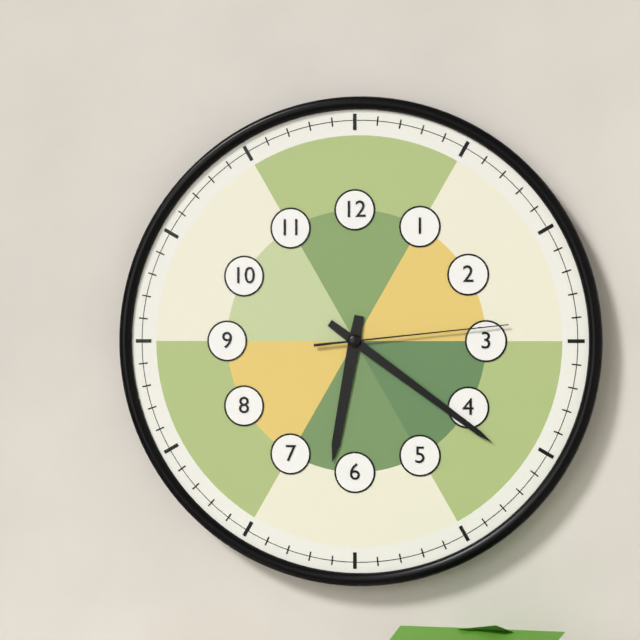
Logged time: 6:21:14
